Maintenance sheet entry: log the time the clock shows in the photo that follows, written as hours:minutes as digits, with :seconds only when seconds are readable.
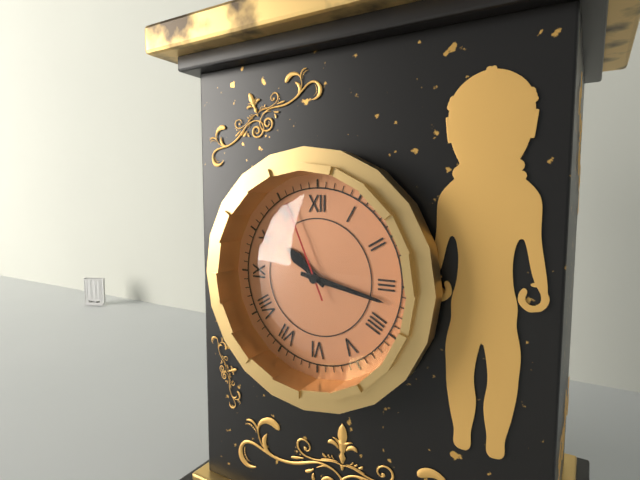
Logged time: 10:17:56
